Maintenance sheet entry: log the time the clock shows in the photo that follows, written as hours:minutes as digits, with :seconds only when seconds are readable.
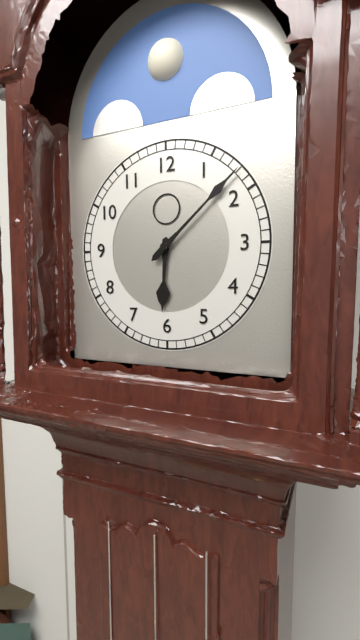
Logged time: 6:08
